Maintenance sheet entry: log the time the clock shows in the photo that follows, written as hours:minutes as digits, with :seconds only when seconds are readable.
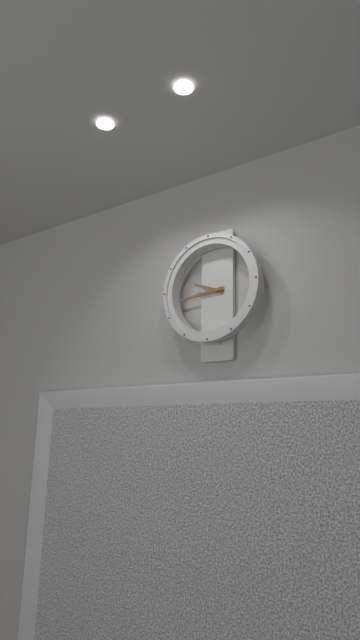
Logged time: 9:44
